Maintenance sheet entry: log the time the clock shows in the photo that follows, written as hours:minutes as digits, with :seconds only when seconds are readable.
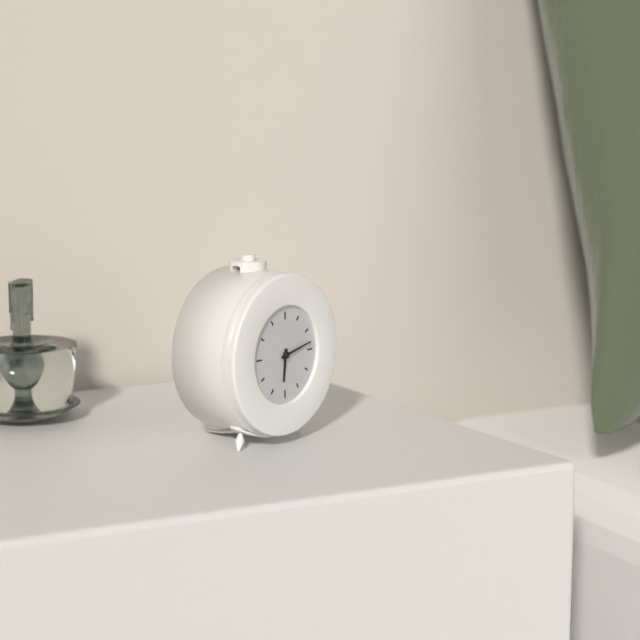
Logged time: 6:13
